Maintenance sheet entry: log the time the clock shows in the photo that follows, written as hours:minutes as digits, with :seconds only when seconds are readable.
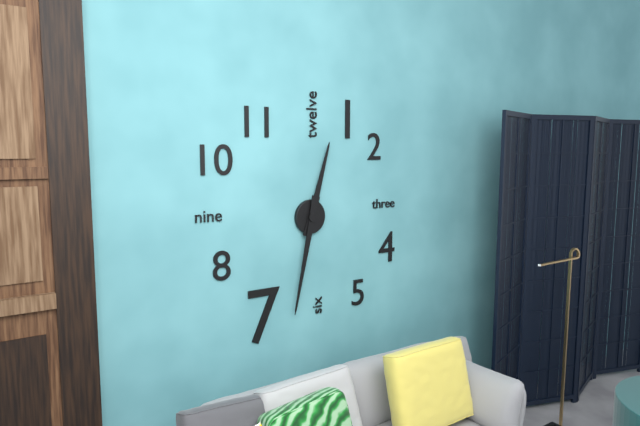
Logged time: 12:32
